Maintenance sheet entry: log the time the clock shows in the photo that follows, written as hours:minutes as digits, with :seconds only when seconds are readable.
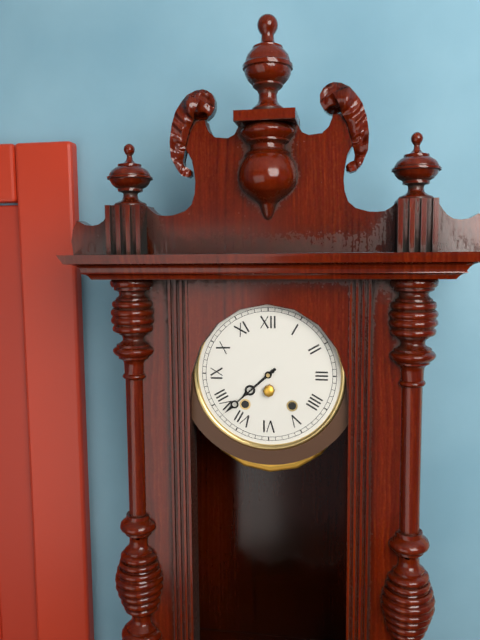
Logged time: 7:38
